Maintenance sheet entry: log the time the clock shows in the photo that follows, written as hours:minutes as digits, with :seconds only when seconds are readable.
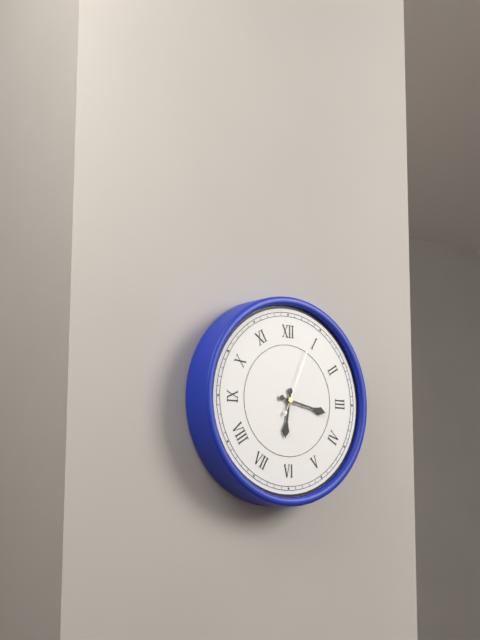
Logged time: 6:17:04
